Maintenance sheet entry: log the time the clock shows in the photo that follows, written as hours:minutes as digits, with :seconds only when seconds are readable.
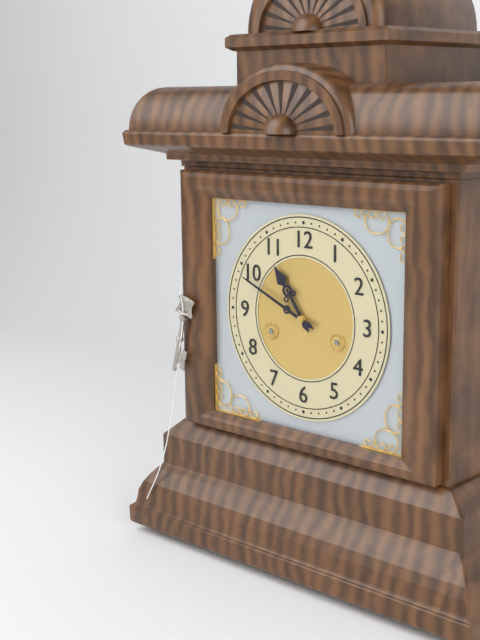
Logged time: 10:49
